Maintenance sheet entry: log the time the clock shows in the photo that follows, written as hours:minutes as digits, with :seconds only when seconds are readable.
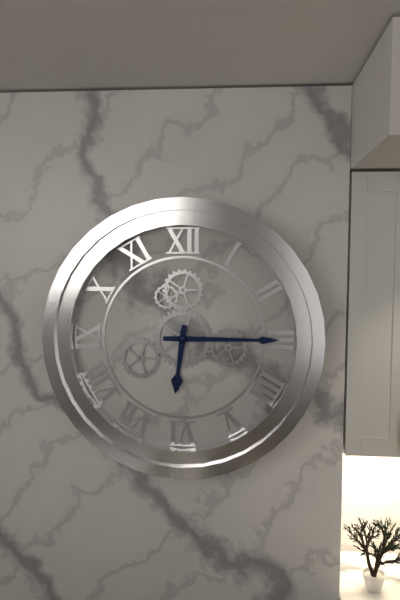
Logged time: 6:15
